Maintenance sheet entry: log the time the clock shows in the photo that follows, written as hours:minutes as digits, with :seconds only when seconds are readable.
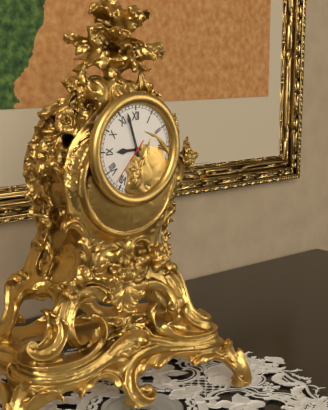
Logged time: 8:57
